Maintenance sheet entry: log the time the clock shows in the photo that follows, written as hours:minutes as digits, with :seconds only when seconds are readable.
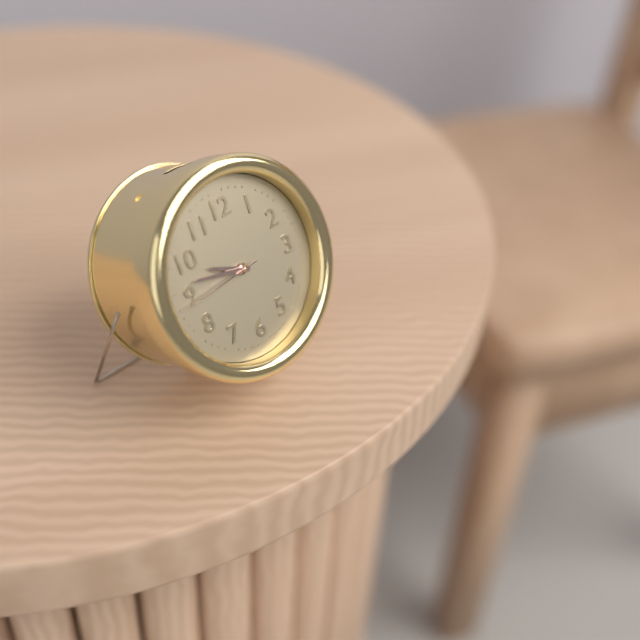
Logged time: 9:47:44
